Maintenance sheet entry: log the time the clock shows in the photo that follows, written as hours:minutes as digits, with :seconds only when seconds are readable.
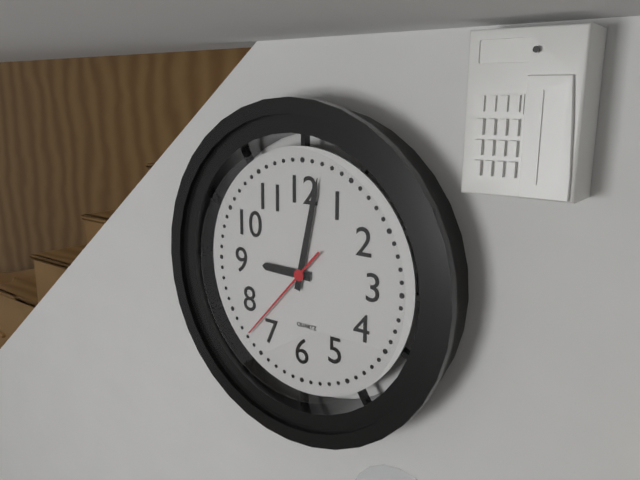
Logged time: 9:02:37
